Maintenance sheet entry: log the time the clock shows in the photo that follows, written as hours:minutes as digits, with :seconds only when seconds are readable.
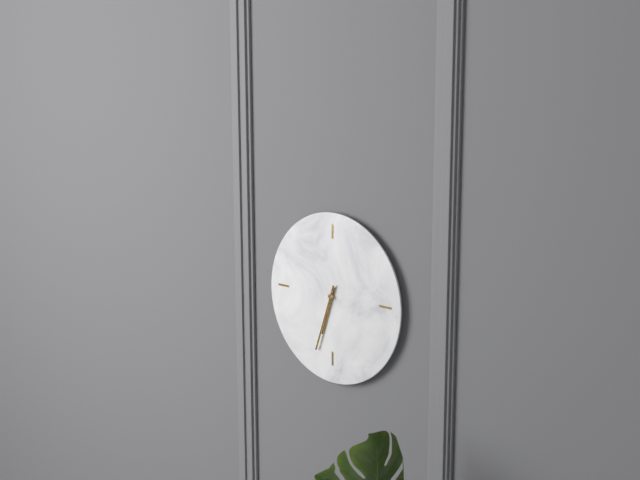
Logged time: 6:33
